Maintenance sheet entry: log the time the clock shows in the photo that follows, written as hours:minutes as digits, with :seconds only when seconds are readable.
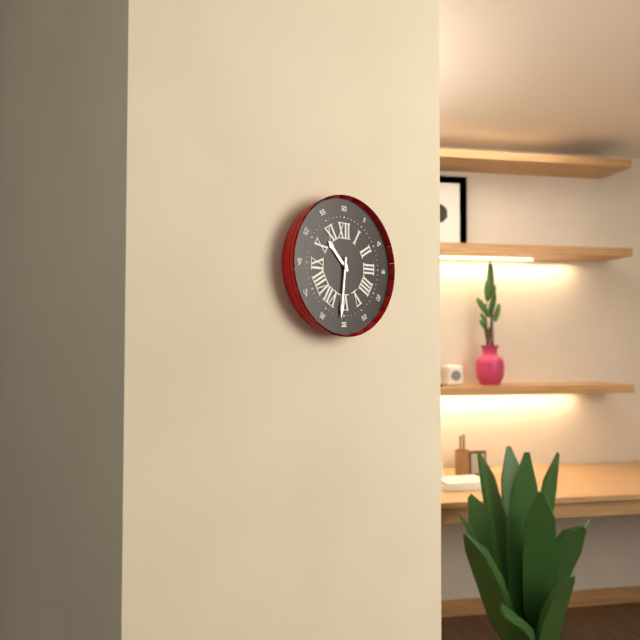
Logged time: 10:31
